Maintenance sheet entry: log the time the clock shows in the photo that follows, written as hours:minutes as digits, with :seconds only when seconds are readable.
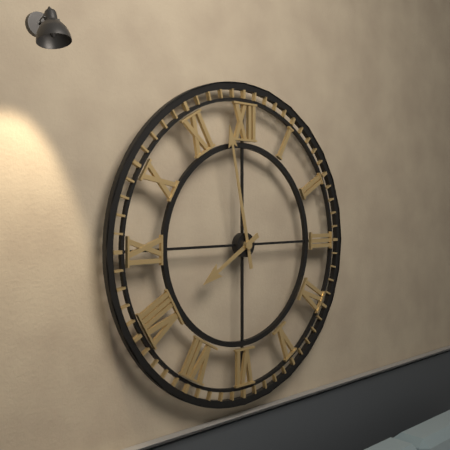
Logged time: 7:58
